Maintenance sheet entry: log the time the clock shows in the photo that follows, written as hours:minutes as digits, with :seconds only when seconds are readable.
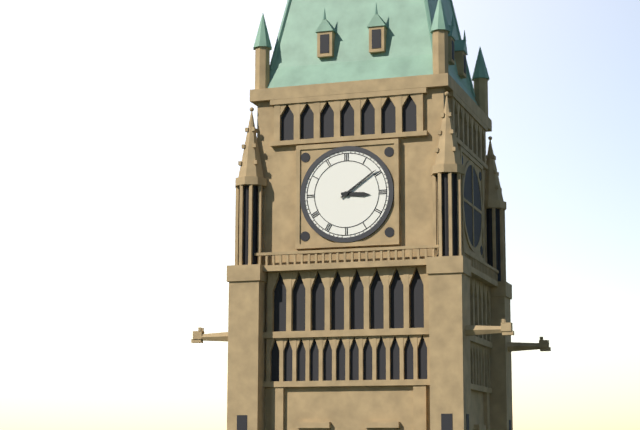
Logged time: 3:09
